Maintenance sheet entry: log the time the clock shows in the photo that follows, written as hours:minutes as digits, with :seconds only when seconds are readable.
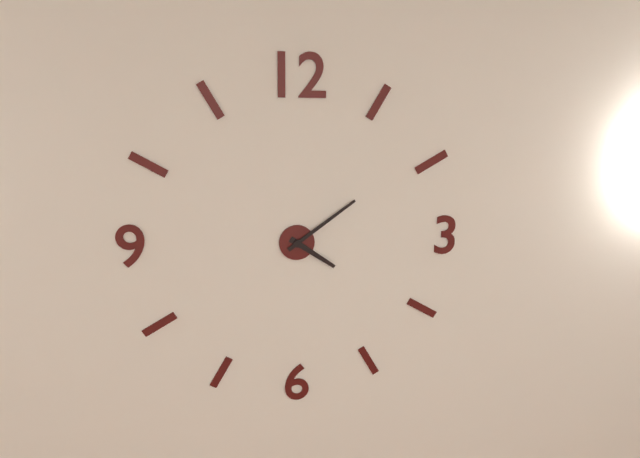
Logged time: 4:09
